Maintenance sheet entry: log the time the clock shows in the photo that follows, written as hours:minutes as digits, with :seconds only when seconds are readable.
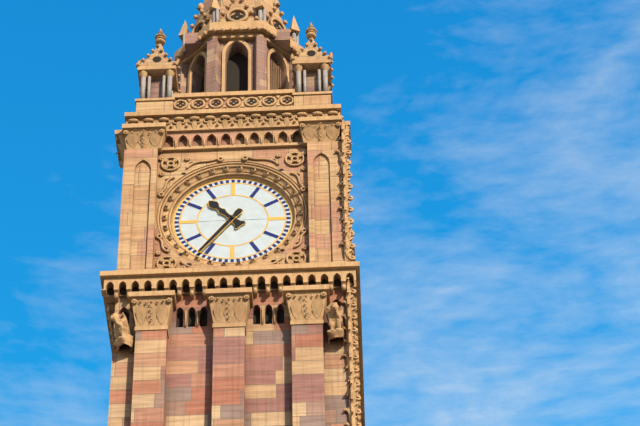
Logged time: 10:36
